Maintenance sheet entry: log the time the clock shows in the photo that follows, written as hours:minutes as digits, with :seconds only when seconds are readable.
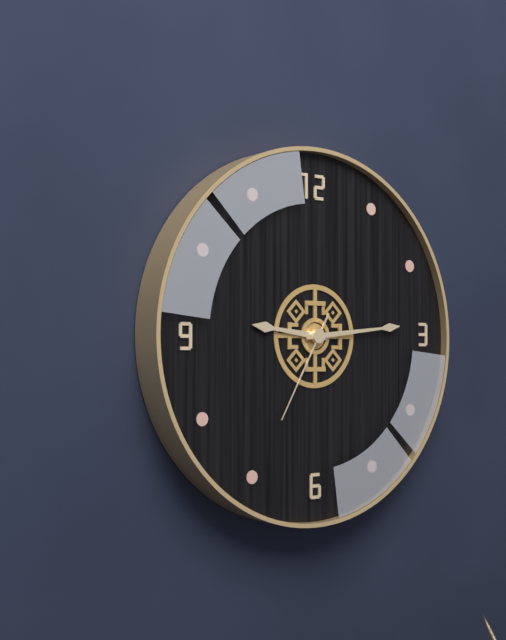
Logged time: 9:14:35
